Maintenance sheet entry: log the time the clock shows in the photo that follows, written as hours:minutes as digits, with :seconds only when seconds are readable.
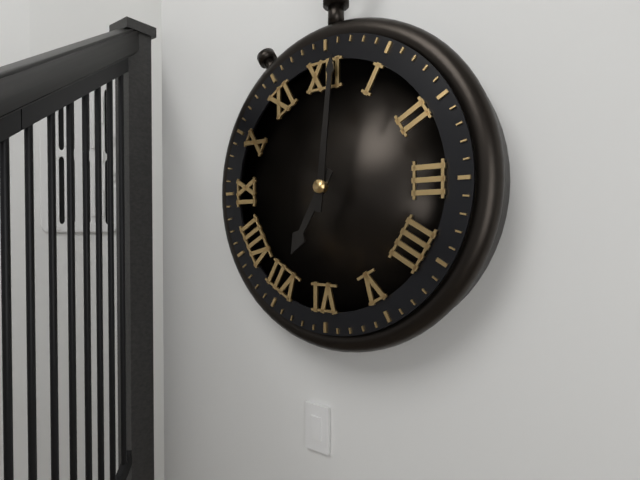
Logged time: 7:01
